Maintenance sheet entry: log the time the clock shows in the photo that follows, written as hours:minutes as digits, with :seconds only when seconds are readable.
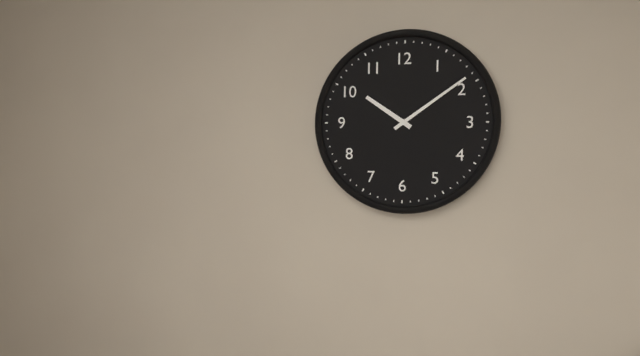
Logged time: 10:09
